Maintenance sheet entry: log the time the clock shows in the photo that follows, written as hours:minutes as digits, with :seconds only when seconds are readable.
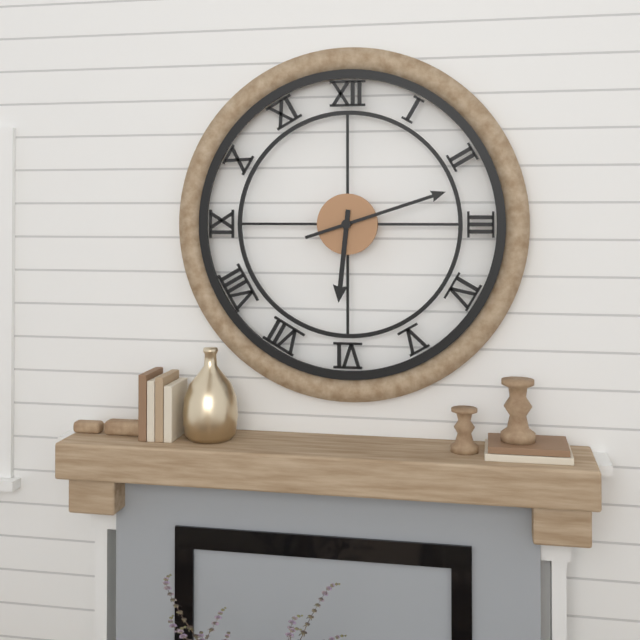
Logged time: 6:12
